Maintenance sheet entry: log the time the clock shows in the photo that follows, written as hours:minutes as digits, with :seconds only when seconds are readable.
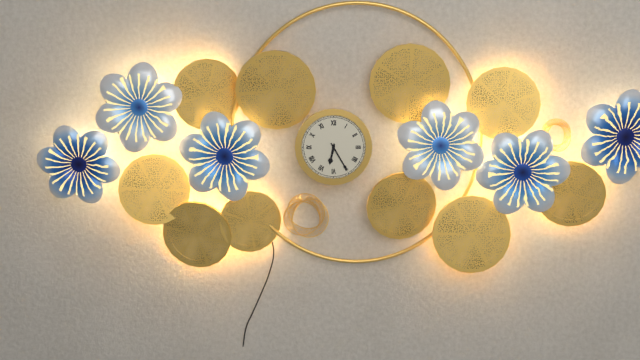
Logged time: 6:25
